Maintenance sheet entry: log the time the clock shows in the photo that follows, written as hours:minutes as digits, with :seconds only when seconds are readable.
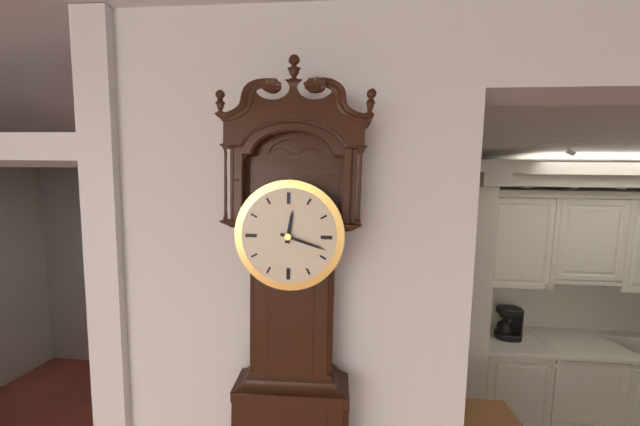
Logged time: 12:18
